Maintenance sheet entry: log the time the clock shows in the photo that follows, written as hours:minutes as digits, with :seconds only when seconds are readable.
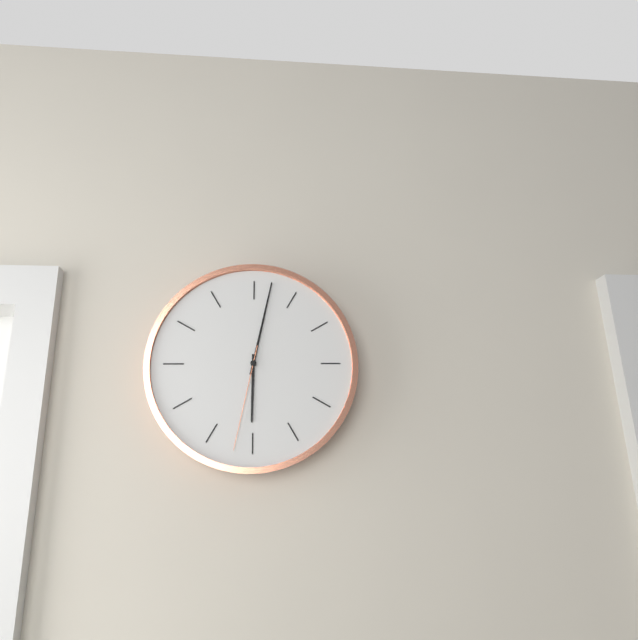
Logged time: 6:02:32
